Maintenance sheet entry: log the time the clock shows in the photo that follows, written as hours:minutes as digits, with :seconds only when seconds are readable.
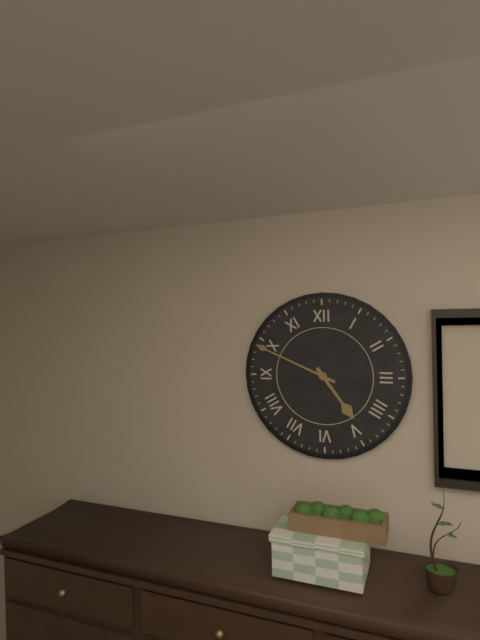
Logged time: 4:49
